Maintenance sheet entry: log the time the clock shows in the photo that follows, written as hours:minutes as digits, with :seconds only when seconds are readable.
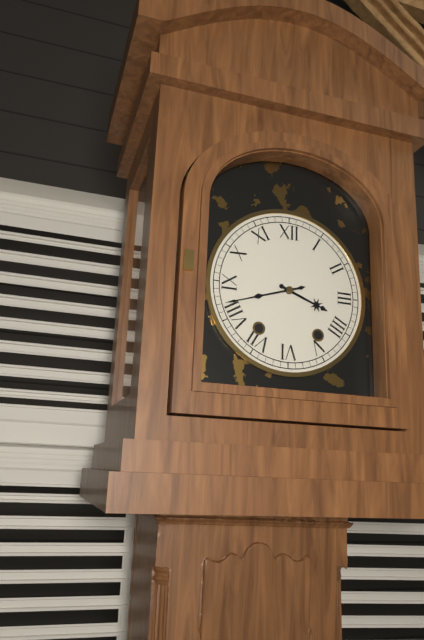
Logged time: 3:42
